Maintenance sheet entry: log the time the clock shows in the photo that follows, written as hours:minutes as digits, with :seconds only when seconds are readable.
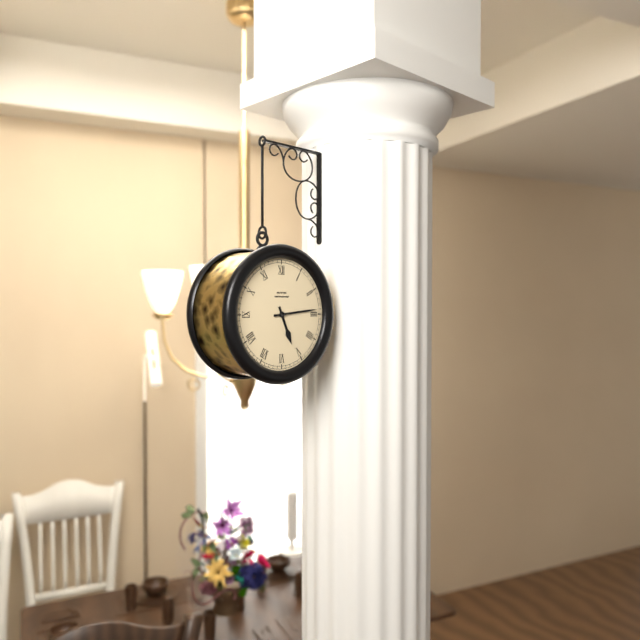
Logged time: 5:14
